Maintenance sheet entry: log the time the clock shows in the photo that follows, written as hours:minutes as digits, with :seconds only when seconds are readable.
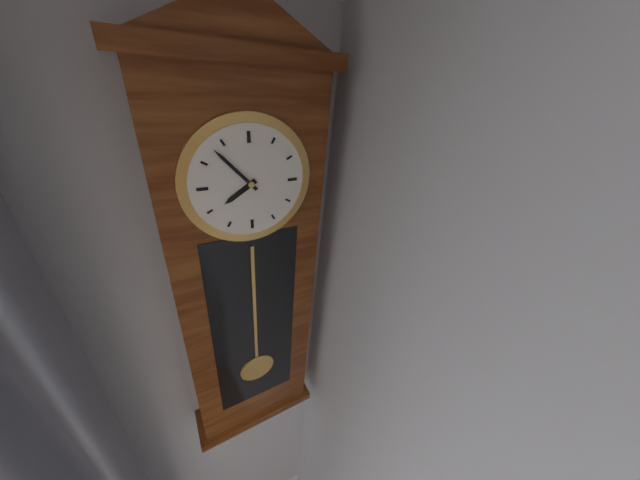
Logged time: 7:53
